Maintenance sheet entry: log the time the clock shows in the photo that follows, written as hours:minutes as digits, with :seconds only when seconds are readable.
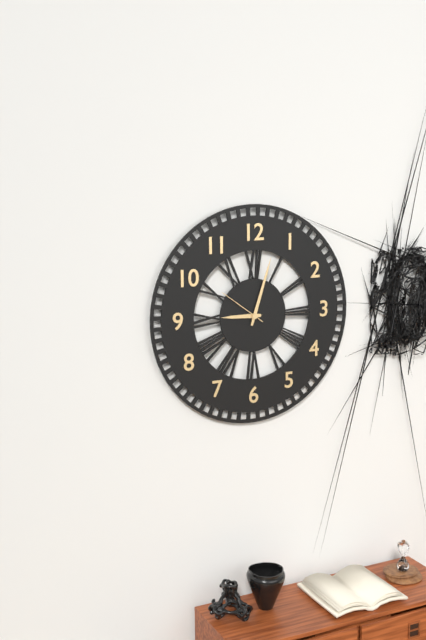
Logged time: 9:03:51
